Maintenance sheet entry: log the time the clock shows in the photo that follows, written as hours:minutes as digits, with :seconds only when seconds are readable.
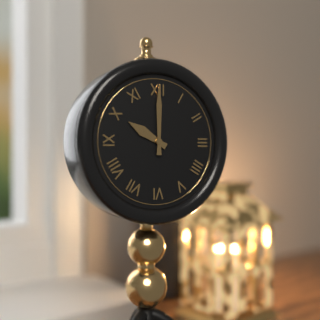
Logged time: 10:00
